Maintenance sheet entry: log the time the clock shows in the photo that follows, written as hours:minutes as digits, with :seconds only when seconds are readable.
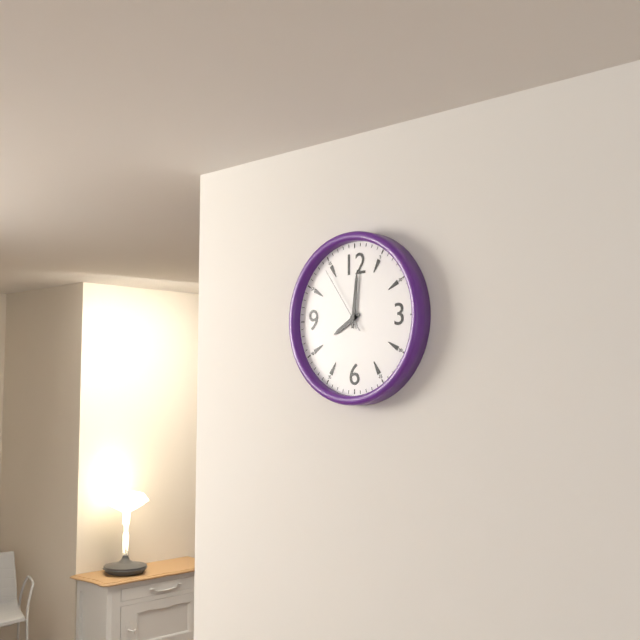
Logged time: 8:01:54
